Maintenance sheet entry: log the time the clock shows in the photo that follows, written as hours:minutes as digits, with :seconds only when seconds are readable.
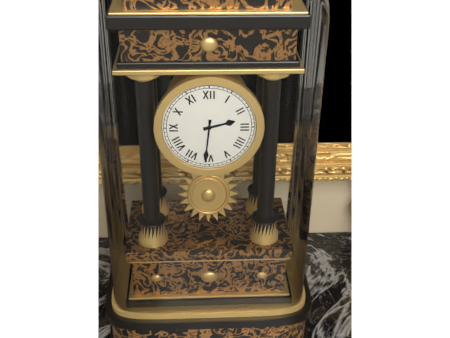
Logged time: 2:31
